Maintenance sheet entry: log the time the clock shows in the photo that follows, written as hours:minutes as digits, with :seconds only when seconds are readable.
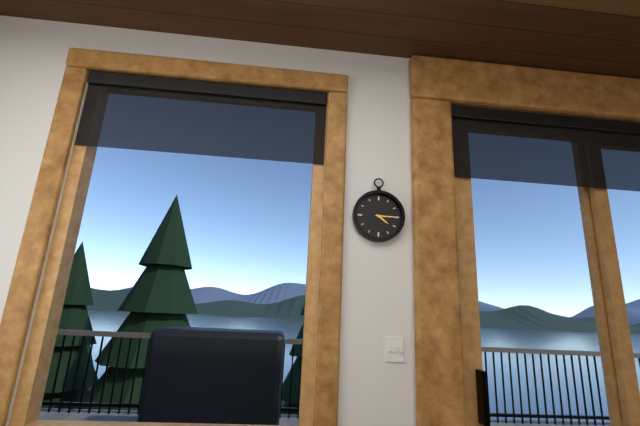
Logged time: 4:15
